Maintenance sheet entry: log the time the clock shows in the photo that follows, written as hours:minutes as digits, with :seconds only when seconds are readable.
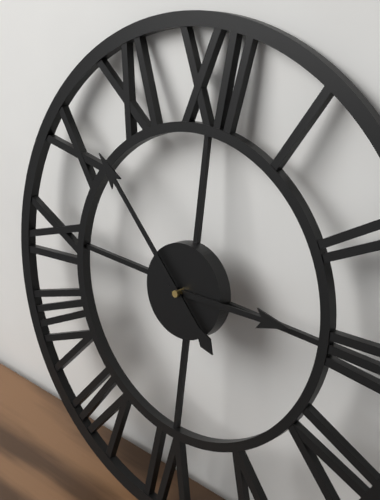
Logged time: 2:52
